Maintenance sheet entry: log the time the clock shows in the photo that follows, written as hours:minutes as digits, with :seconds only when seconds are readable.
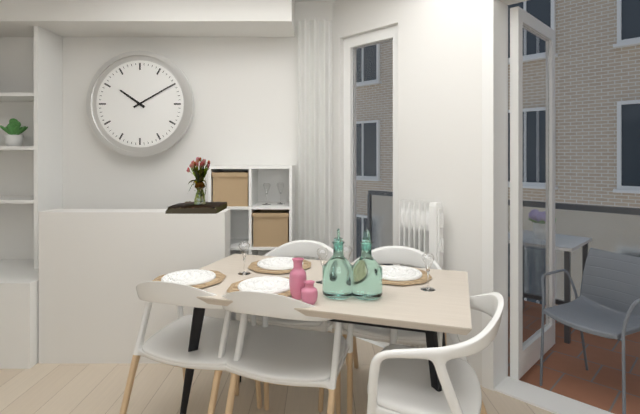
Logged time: 10:10
